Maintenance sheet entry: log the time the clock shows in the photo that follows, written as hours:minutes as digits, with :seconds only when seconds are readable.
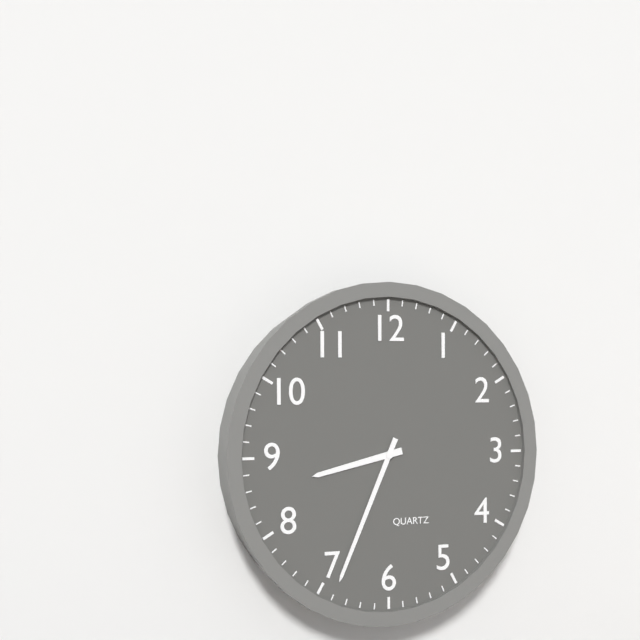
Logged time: 8:34
